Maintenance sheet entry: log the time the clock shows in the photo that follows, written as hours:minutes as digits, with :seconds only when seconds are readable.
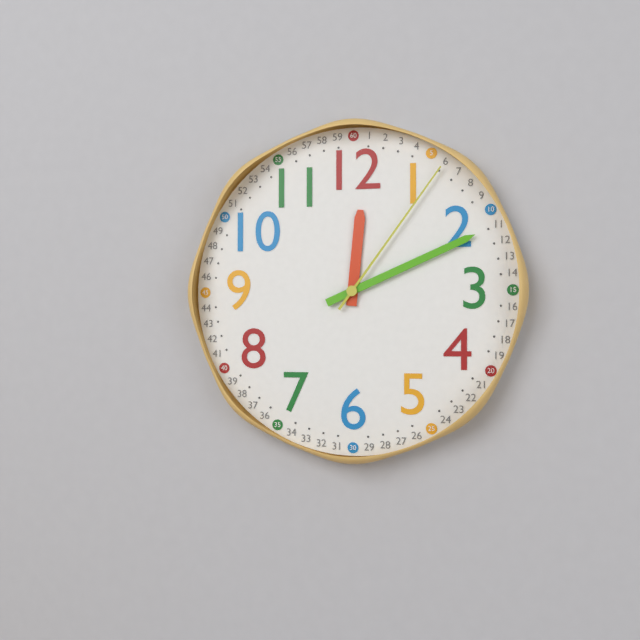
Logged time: 12:11:06
